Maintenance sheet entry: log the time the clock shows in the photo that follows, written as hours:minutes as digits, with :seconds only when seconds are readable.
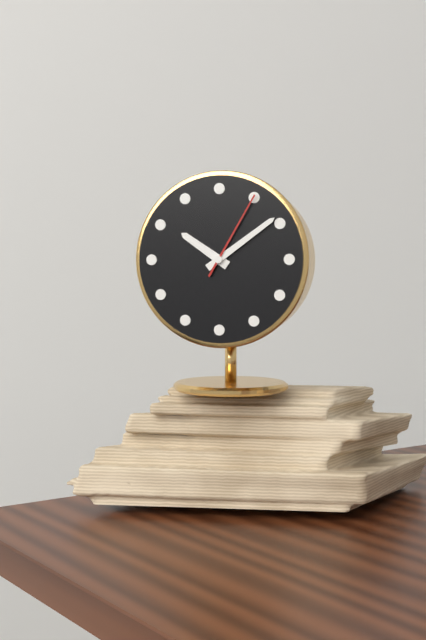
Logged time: 10:09:05
